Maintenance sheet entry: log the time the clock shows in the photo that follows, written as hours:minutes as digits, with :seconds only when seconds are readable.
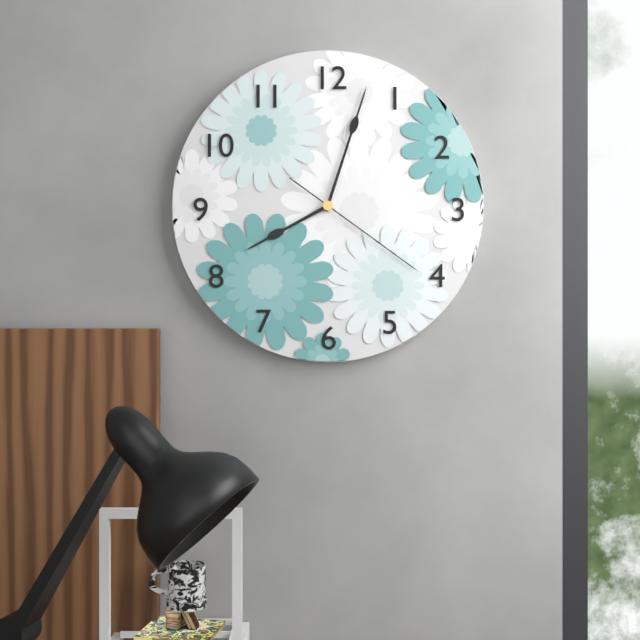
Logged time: 8:03:21
